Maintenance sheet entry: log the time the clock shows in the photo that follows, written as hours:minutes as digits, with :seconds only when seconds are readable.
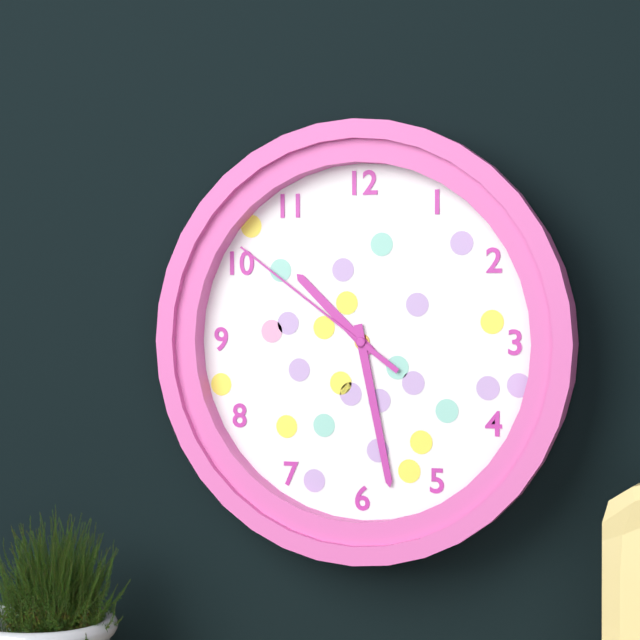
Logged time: 10:28:51
